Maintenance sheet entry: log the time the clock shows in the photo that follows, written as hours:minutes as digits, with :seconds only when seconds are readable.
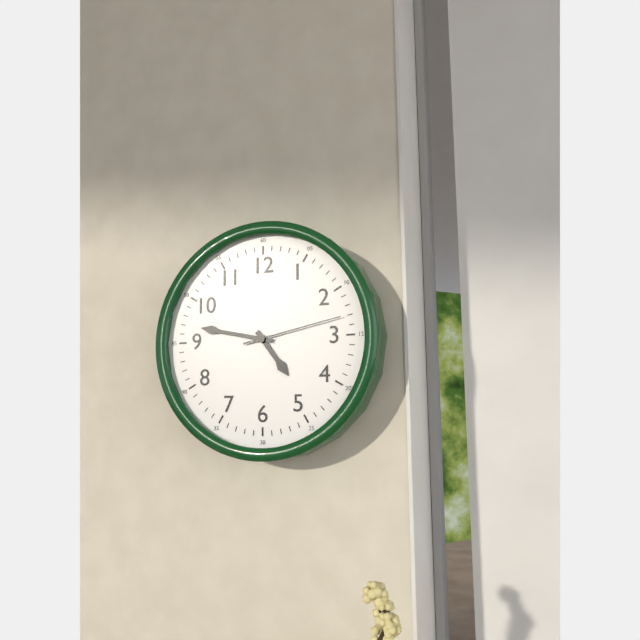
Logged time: 4:47:13
